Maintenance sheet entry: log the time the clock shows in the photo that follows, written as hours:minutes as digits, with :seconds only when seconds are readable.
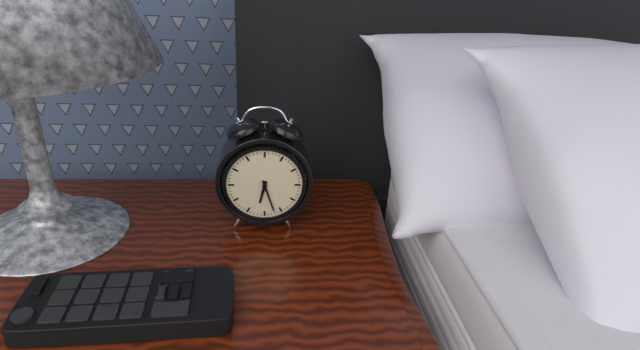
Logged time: 6:27
